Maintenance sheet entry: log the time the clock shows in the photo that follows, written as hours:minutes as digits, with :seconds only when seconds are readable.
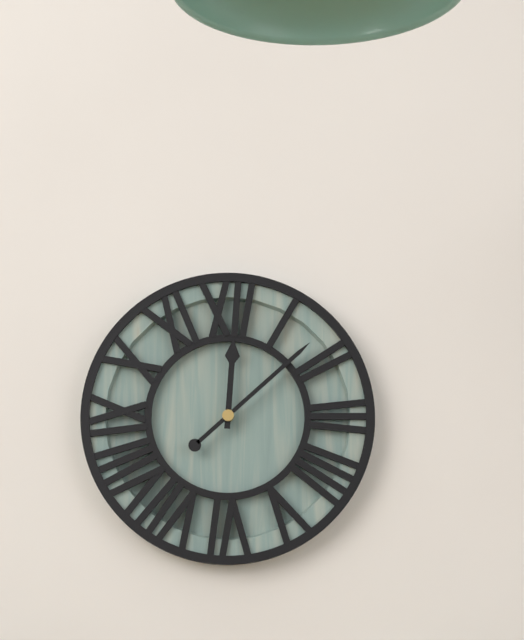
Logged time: 12:08
